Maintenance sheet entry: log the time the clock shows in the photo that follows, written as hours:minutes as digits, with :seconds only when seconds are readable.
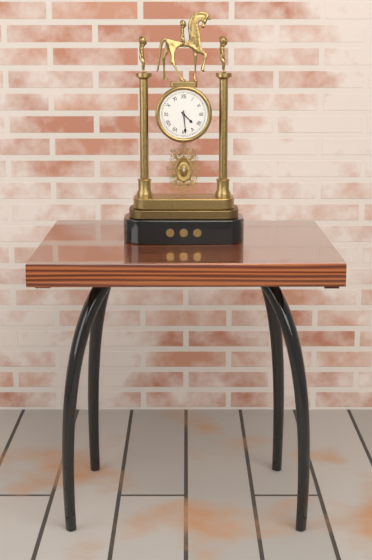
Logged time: 4:29
